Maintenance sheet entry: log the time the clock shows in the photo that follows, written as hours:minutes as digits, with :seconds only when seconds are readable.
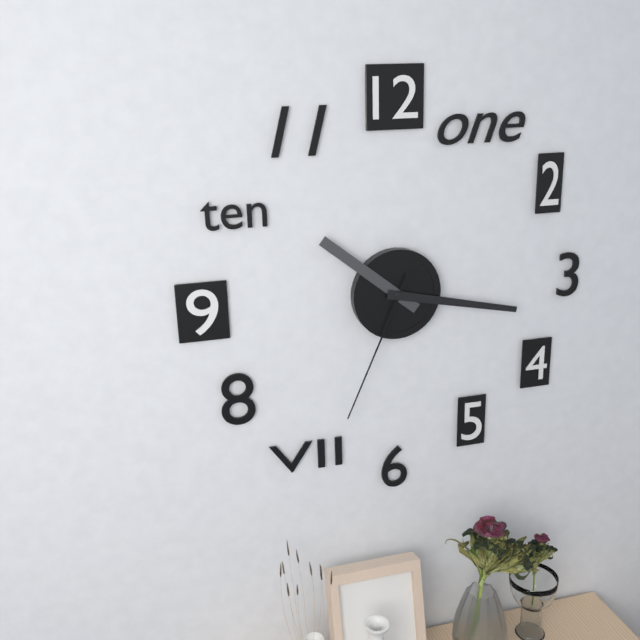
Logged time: 10:17:34
